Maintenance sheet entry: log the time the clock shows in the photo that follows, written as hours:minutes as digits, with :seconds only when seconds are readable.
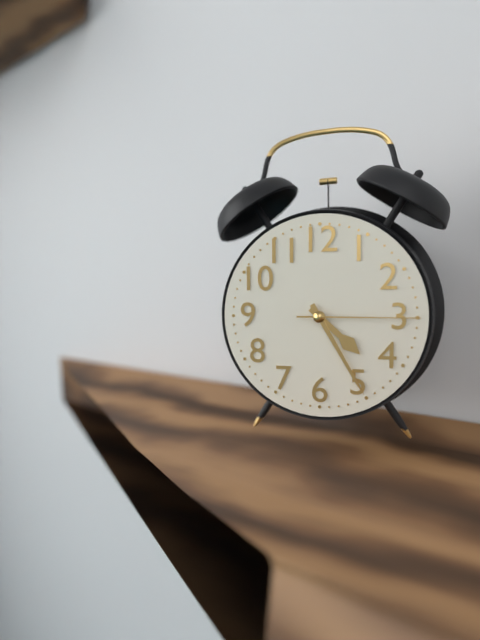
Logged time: 4:25:15
